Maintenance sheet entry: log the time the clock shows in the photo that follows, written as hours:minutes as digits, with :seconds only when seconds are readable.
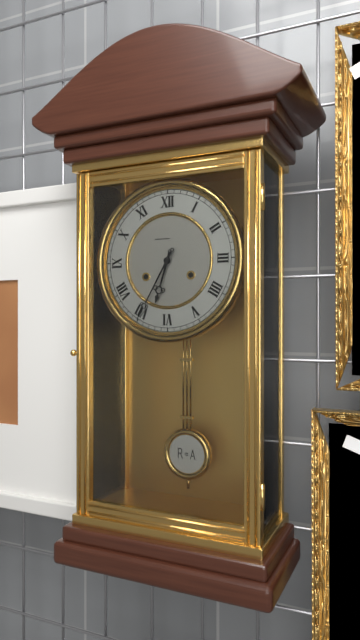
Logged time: 6:35
